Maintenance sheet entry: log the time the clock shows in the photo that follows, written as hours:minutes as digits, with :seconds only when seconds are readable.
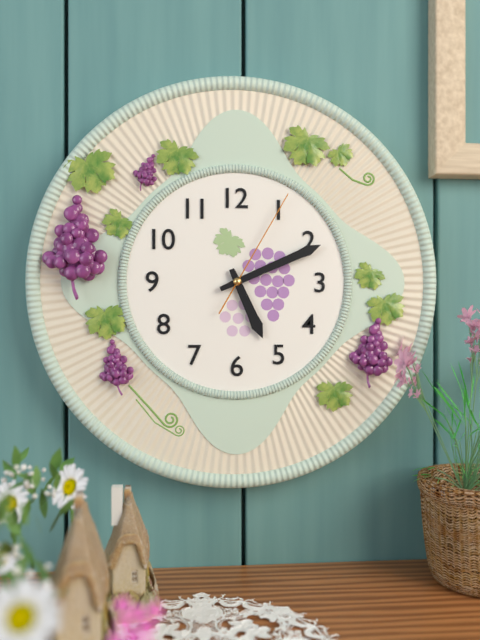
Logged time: 5:11:05
